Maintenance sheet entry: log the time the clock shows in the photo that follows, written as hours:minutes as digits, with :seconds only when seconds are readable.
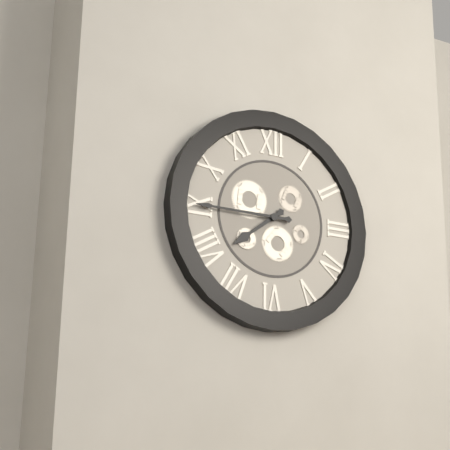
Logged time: 7:45
